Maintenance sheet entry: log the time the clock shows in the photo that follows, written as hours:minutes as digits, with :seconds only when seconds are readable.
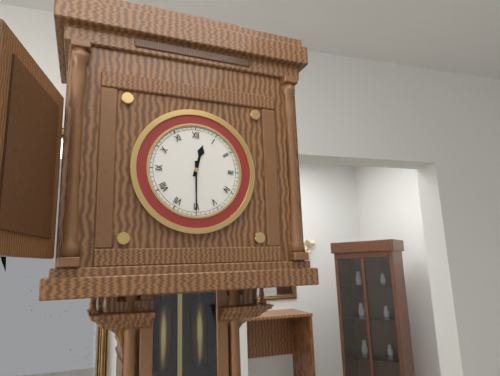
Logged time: 12:30
